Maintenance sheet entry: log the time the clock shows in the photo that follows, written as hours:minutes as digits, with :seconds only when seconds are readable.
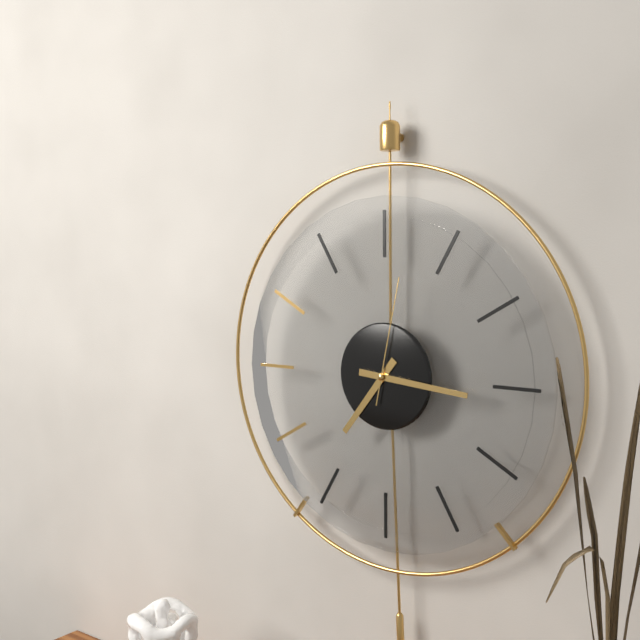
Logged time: 7:16:02
